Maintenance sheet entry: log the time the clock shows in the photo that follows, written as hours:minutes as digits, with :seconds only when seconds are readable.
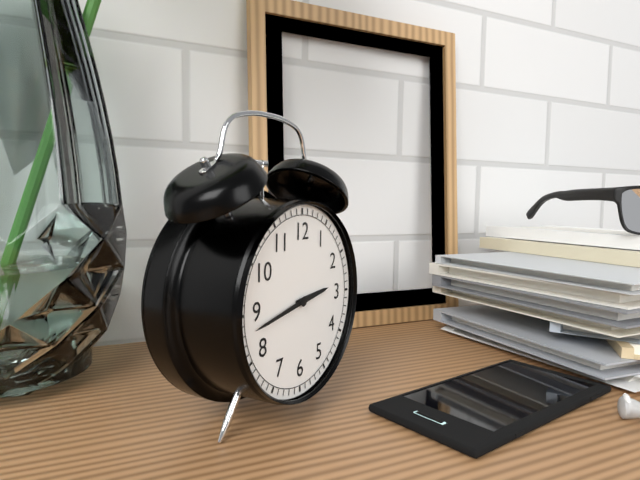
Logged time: 2:43
